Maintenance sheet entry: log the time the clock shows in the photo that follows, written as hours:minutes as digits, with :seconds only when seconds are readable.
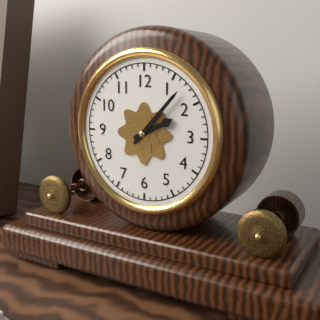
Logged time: 2:07
